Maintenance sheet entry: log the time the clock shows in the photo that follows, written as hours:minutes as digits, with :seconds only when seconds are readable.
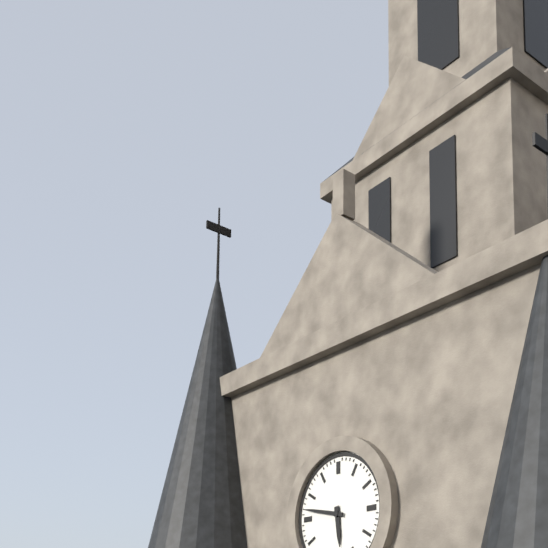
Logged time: 5:47
